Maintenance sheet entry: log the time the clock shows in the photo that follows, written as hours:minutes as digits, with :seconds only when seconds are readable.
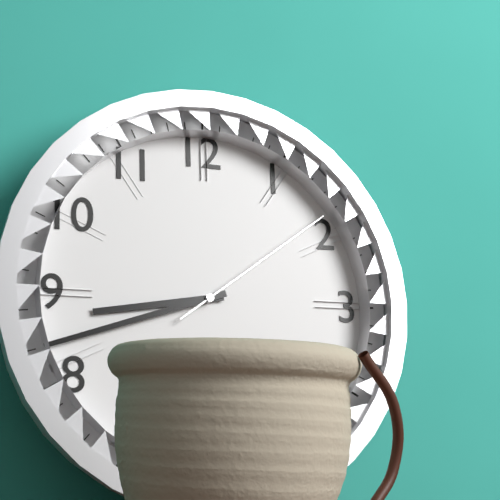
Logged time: 8:42:09
